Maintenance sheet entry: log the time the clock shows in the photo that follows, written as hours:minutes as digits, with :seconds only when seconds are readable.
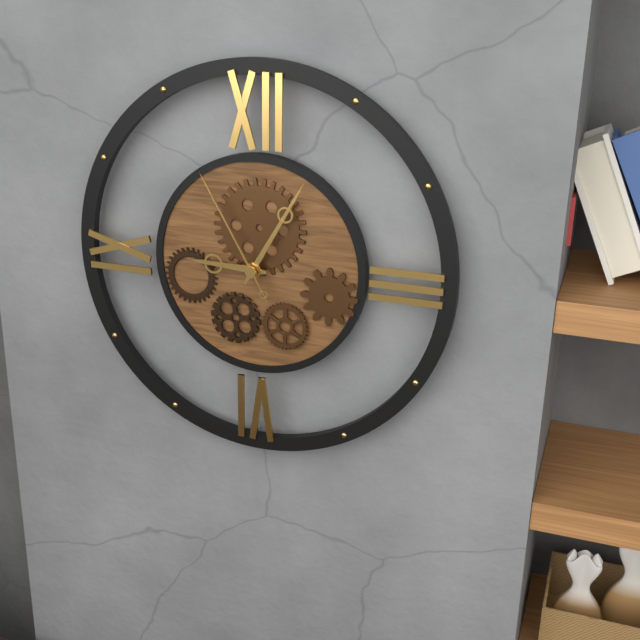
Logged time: 9:05:55
